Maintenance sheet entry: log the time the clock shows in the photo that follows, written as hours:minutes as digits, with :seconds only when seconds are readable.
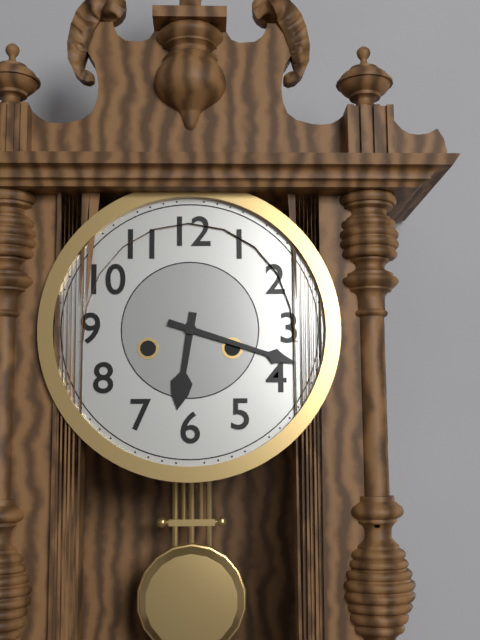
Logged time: 6:18
